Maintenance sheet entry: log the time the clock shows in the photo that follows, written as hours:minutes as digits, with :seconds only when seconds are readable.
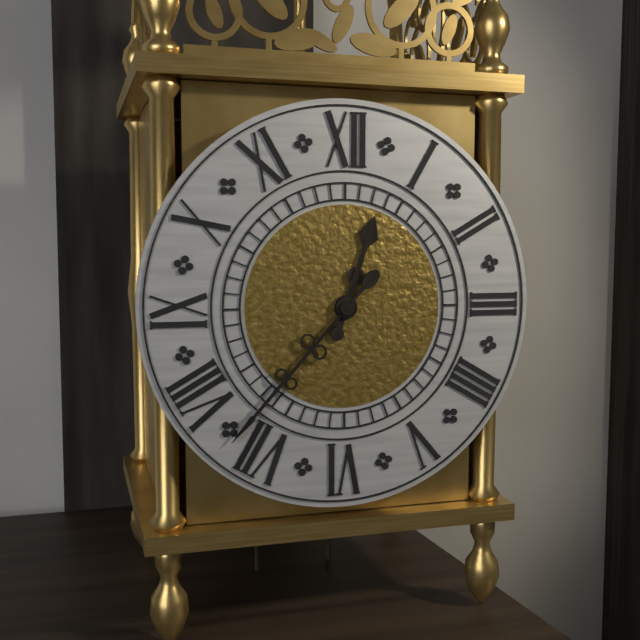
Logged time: 12:37
